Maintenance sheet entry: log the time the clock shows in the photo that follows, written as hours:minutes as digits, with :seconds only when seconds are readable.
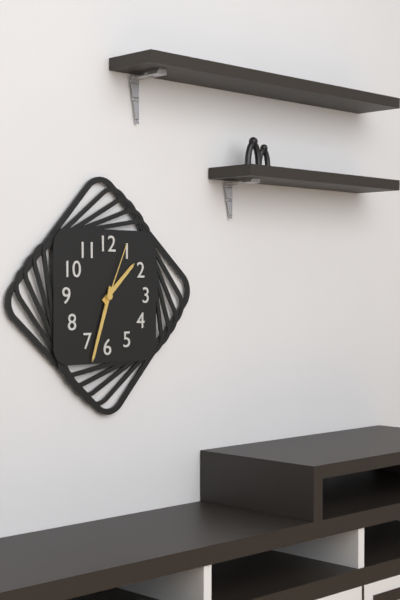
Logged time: 1:33:04
